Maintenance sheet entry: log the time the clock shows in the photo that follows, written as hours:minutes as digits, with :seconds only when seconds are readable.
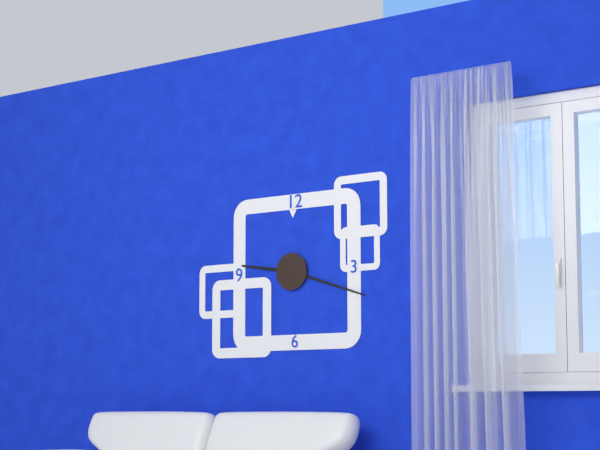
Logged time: 9:18
